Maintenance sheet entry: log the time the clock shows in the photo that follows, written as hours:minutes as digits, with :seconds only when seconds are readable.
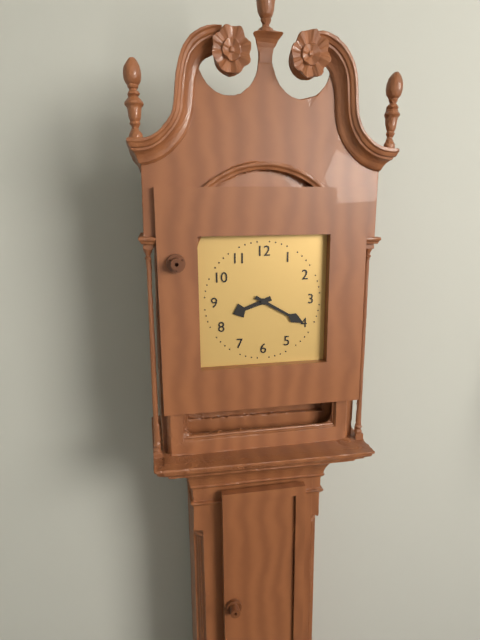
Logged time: 8:20
